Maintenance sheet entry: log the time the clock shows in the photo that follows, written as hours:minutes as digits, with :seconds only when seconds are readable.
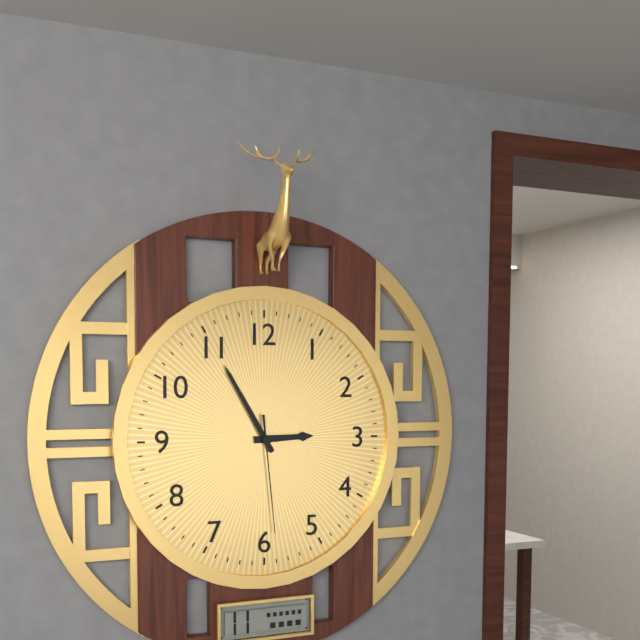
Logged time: 2:55:29
